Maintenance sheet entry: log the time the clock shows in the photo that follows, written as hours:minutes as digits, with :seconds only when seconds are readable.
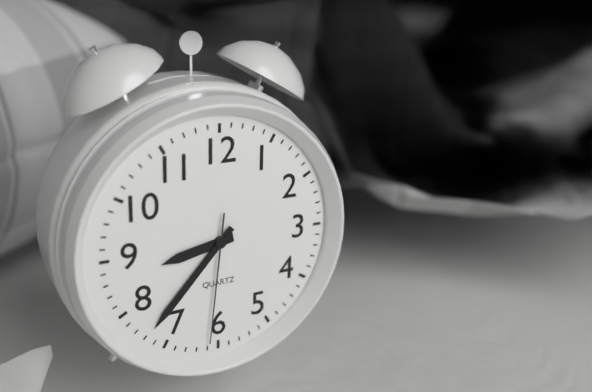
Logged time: 8:37:31
